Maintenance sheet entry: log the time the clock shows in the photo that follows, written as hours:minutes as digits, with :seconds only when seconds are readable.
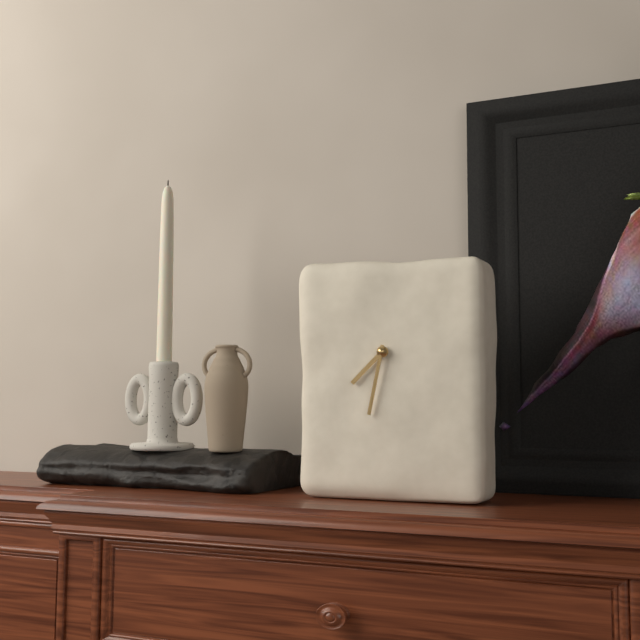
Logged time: 7:32
